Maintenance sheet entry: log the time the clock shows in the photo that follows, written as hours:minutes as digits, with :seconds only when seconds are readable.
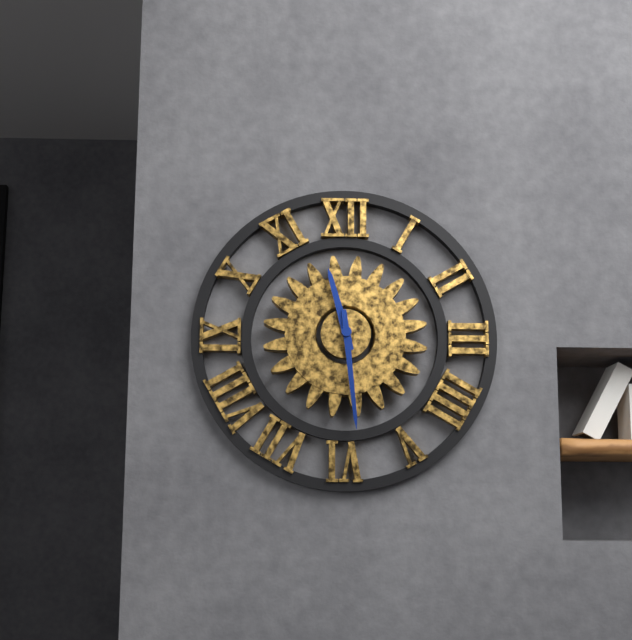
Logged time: 11:29
